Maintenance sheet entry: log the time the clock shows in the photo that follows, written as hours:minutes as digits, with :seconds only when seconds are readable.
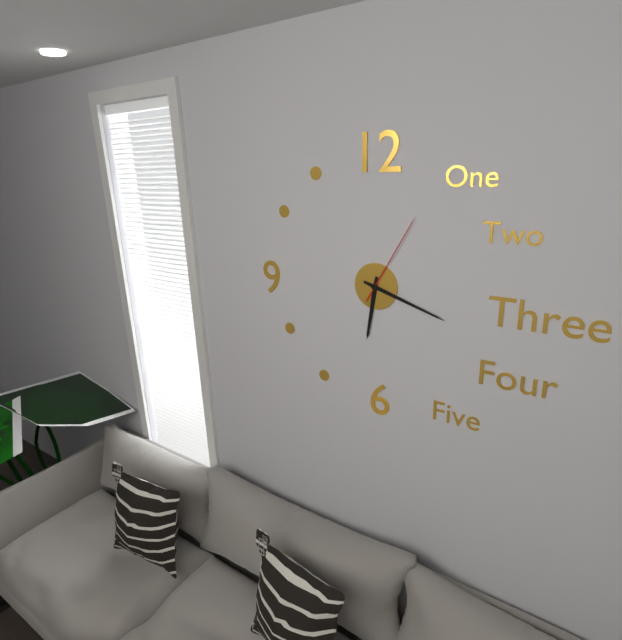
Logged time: 6:18:05
